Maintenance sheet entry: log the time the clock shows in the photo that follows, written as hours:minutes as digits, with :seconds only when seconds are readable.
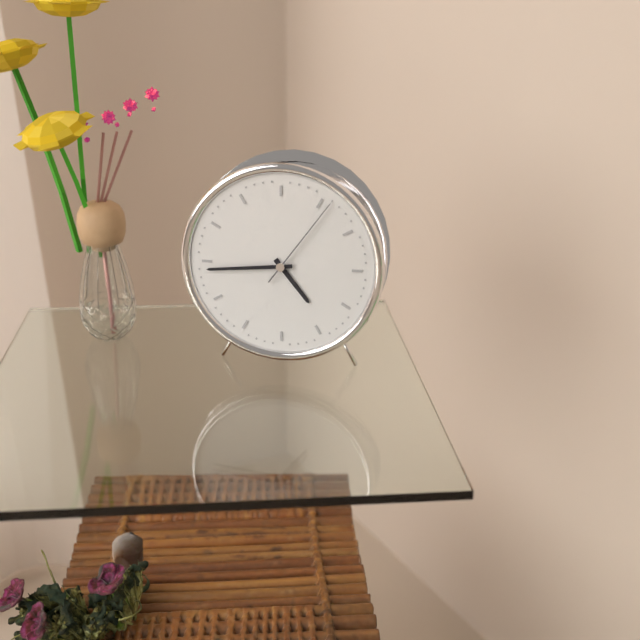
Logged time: 4:44:06
